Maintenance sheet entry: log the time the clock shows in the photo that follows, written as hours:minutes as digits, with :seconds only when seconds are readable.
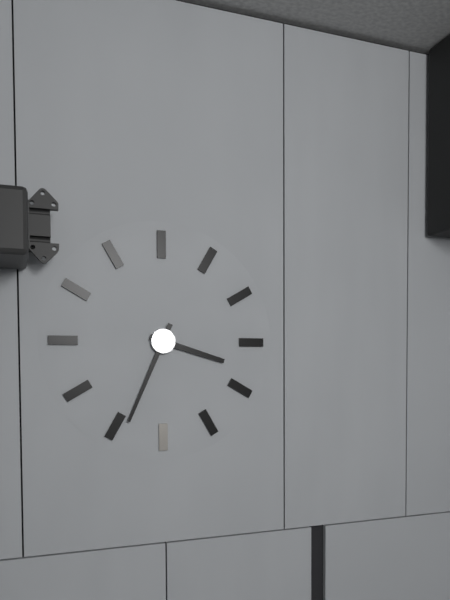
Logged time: 3:34
